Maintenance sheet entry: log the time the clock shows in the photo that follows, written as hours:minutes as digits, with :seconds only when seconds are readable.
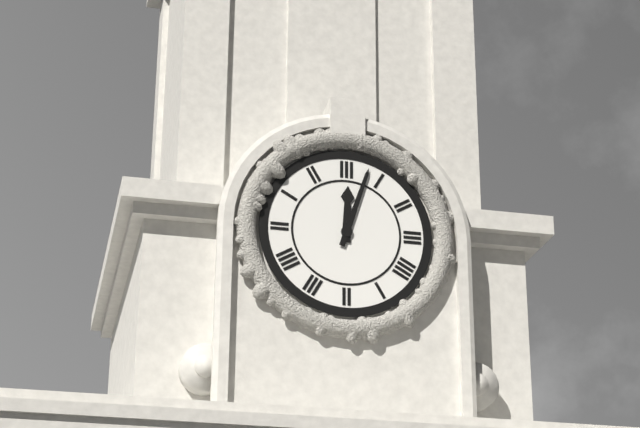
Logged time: 12:03
